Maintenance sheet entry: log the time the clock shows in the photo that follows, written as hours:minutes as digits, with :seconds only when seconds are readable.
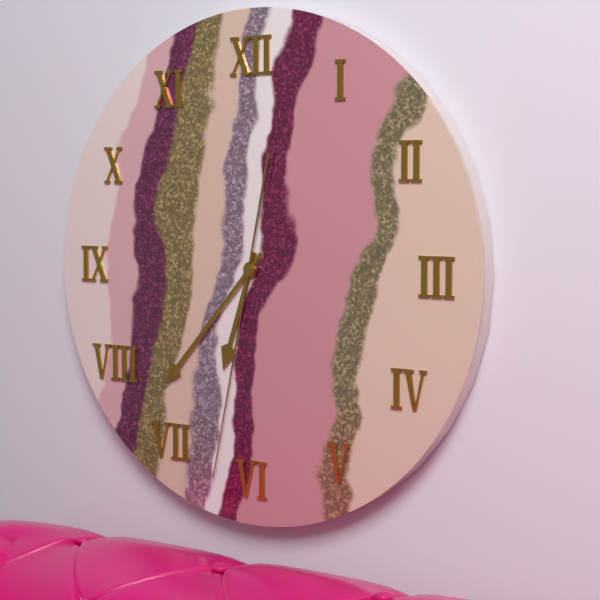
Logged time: 6:37:32
